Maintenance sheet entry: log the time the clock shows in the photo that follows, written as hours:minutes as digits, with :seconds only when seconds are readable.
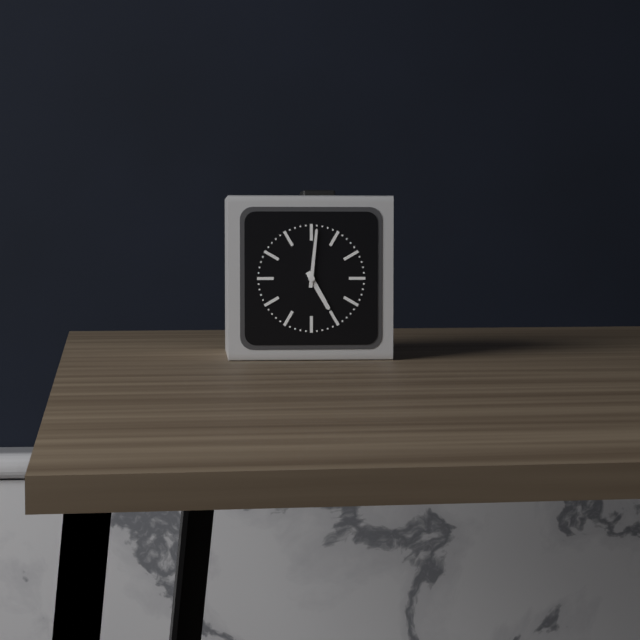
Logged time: 5:01
